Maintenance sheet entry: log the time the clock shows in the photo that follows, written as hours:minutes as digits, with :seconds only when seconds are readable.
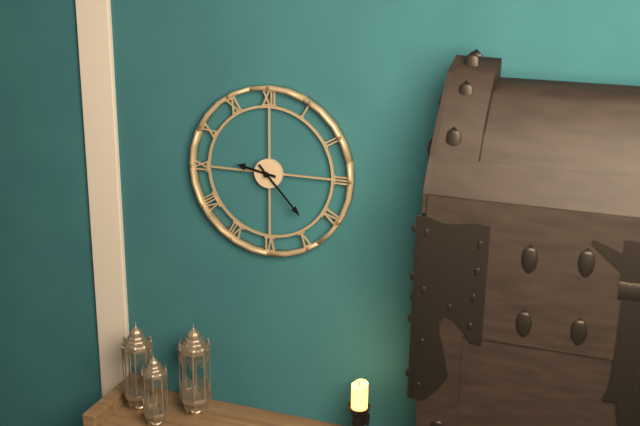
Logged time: 9:23
